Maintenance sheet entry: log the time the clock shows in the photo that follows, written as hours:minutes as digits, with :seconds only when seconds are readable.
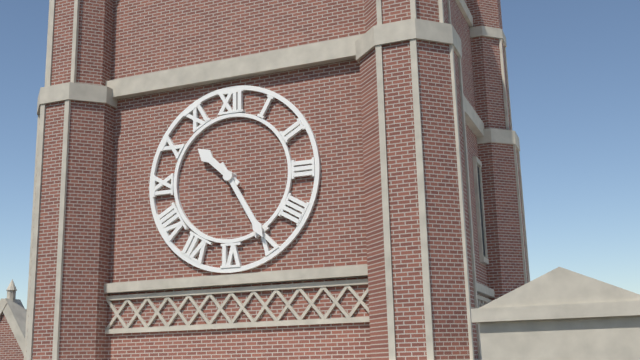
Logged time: 10:25
